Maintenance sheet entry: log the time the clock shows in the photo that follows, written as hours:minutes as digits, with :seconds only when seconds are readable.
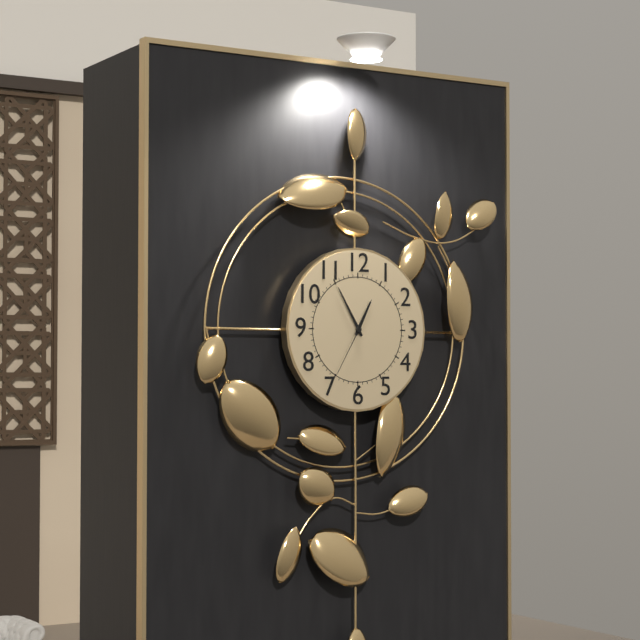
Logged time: 12:55:35
